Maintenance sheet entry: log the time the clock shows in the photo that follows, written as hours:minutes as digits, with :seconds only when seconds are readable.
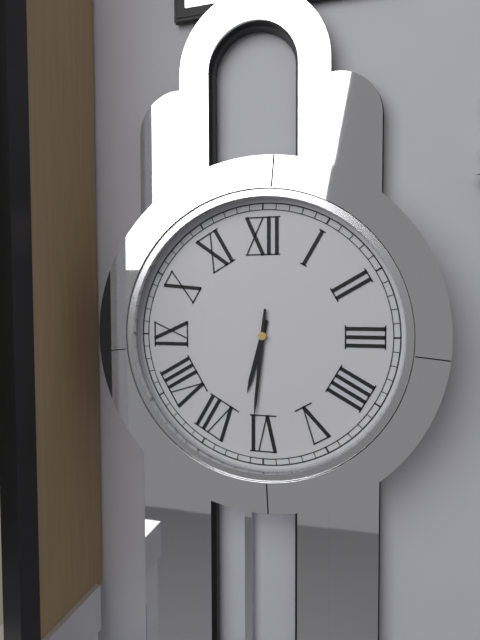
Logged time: 6:31
